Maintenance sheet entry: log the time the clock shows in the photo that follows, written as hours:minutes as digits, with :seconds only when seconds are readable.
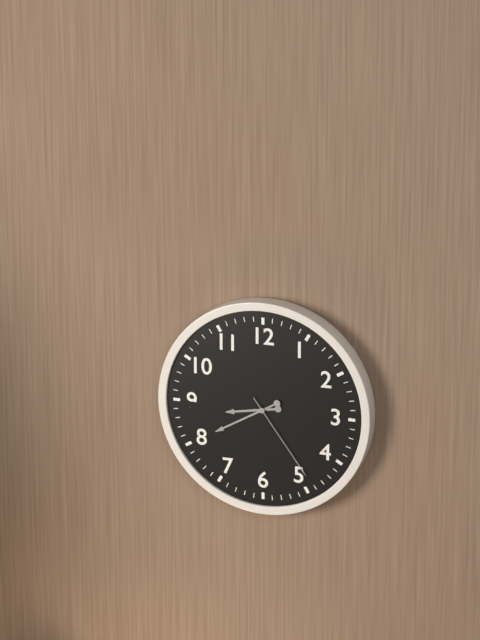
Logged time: 8:40:24
